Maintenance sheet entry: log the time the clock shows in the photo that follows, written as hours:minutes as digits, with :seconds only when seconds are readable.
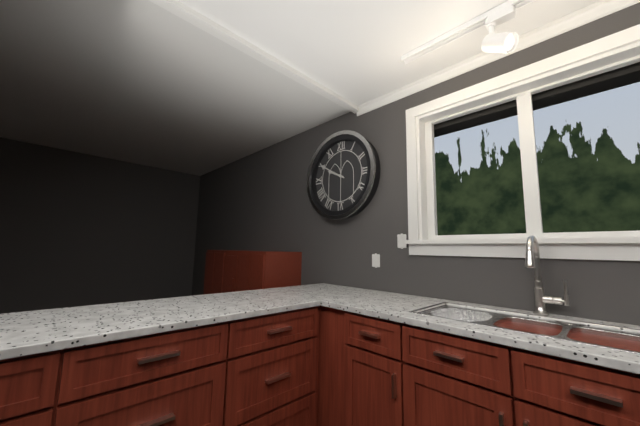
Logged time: 9:50
